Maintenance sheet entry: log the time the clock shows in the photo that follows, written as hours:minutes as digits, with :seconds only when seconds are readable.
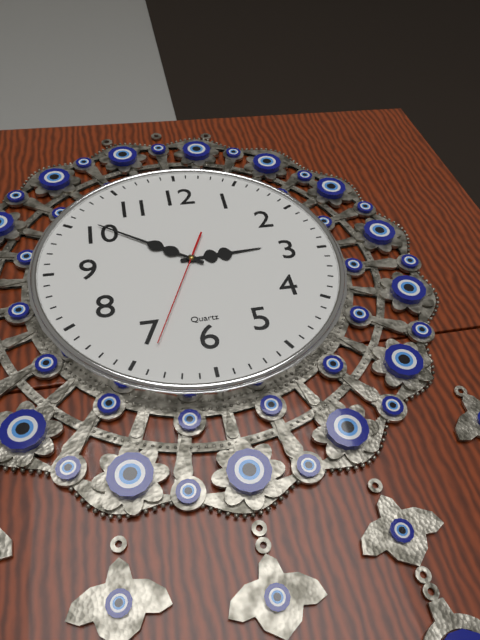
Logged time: 2:51:34
